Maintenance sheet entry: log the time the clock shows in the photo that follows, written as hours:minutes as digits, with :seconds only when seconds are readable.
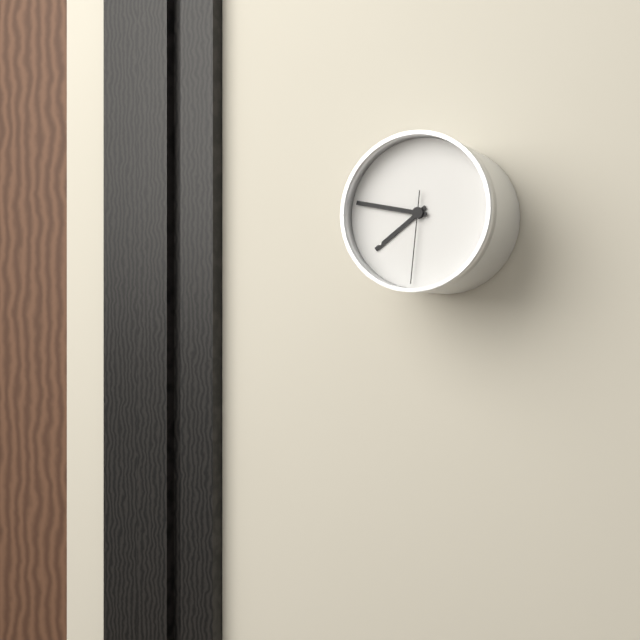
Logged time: 7:47:31
